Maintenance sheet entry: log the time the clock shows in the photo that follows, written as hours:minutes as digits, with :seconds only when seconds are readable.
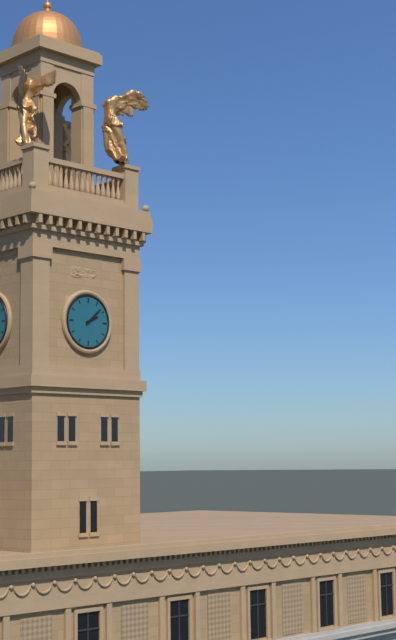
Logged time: 2:08
